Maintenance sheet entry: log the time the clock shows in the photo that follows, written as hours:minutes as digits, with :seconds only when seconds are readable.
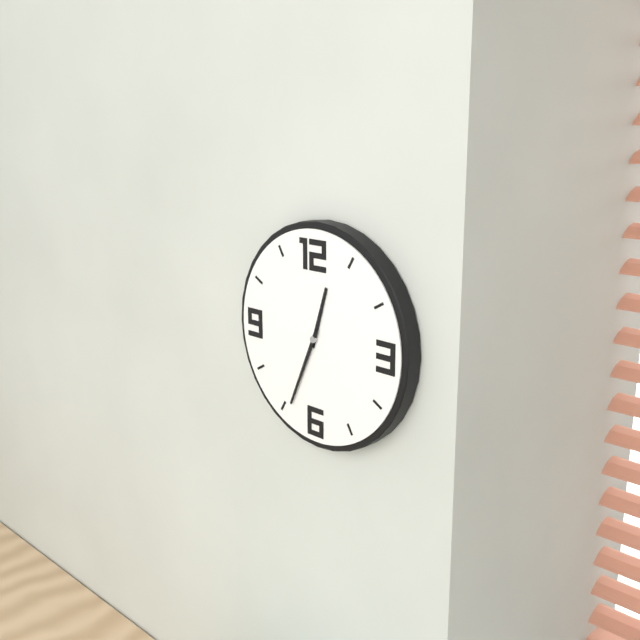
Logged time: 12:34
